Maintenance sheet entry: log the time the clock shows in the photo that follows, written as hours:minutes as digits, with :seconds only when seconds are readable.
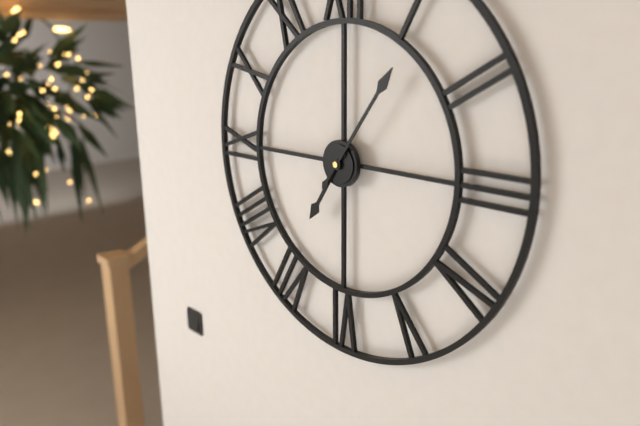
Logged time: 7:06
